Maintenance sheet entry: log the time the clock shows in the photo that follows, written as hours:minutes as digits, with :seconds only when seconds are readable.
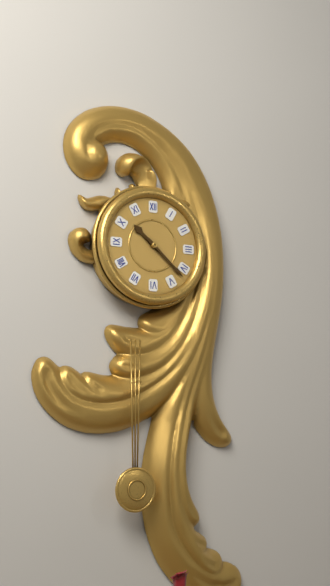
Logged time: 10:22
